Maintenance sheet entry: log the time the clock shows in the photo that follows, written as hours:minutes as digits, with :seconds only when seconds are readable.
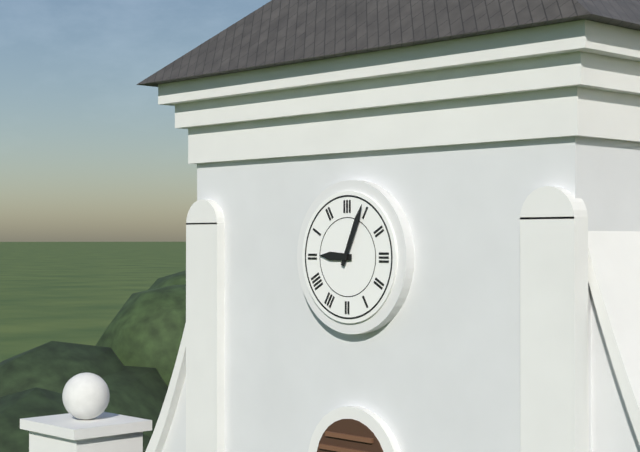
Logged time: 9:04
